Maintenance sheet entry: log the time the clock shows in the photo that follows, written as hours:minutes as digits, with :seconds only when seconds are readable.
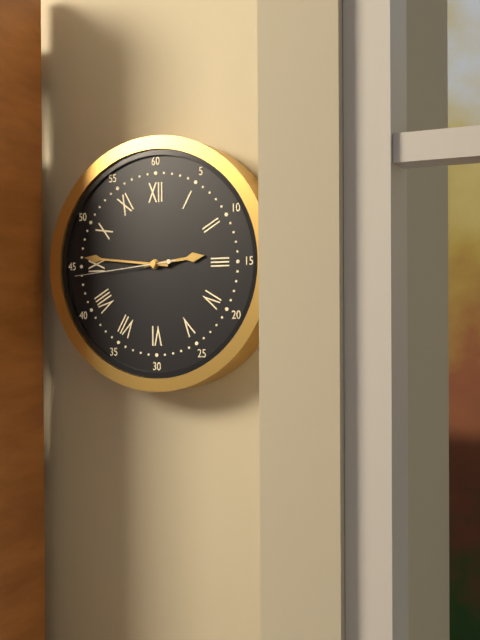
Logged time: 2:46:44
